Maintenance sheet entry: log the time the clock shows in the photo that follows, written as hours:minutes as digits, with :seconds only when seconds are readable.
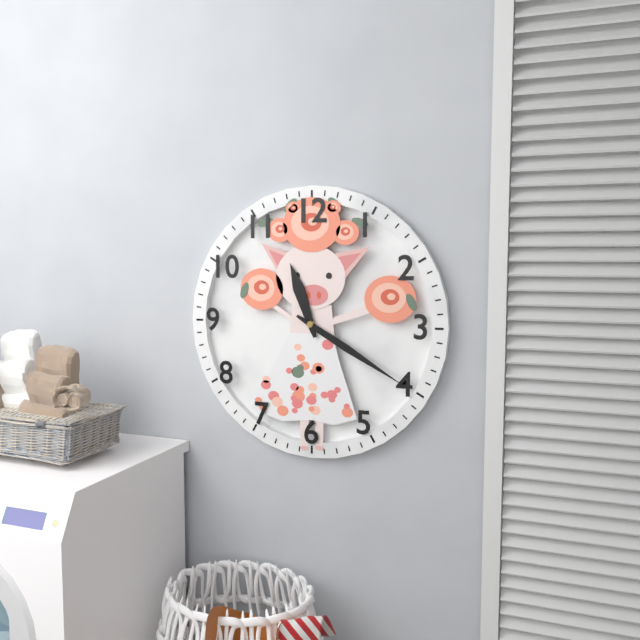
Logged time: 11:20
